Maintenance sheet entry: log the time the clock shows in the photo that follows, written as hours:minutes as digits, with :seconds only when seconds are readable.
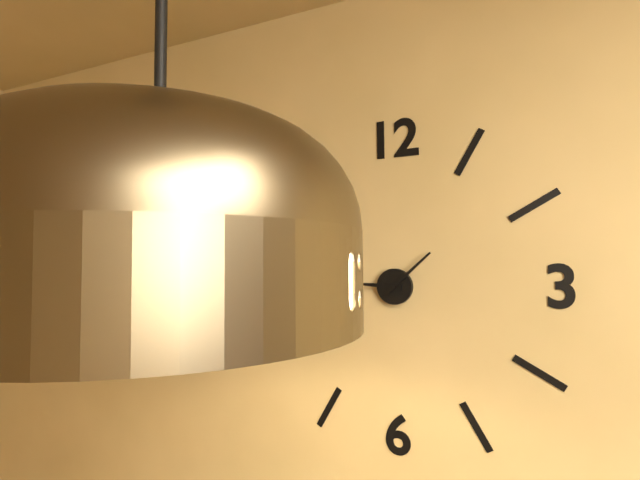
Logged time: 9:08
